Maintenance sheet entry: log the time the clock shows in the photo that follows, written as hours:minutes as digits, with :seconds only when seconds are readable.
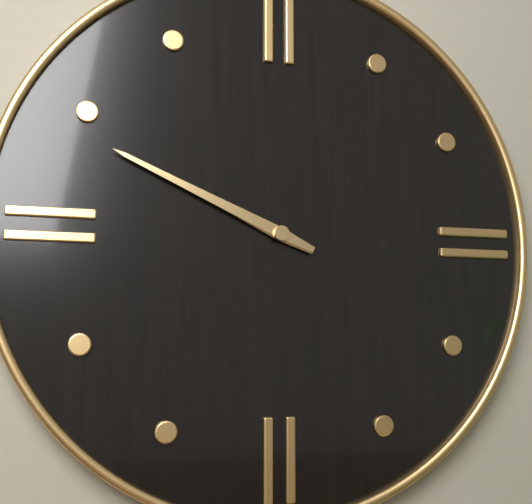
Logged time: 9:49
